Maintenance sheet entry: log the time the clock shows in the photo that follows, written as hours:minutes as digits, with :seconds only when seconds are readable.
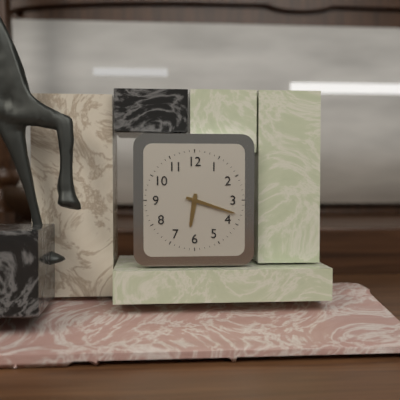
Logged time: 6:18
